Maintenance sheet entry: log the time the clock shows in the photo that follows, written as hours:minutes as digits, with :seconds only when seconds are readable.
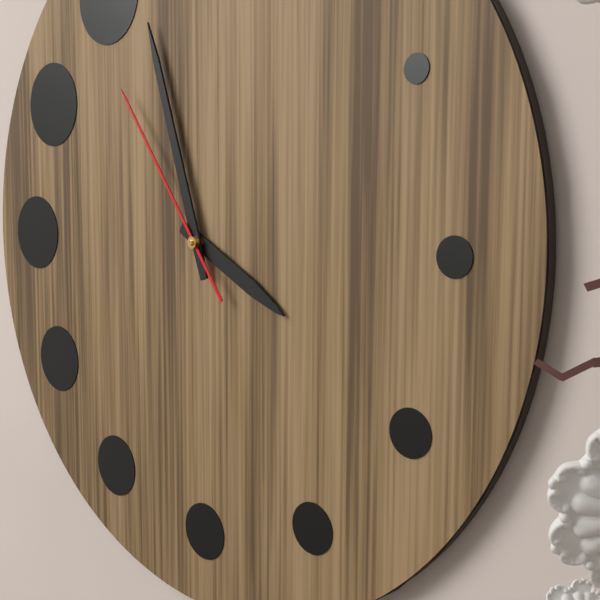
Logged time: 3:57:54
